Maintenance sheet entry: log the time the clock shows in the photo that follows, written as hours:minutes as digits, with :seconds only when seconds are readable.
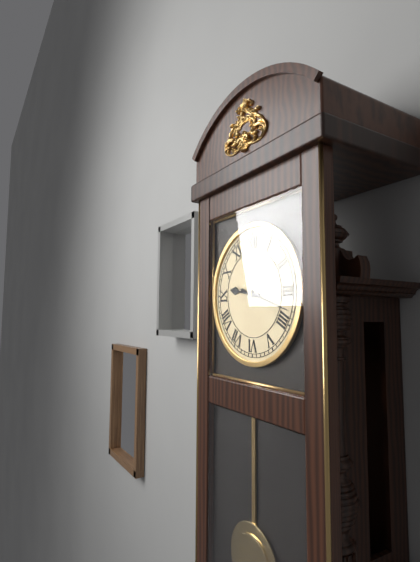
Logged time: 9:18
